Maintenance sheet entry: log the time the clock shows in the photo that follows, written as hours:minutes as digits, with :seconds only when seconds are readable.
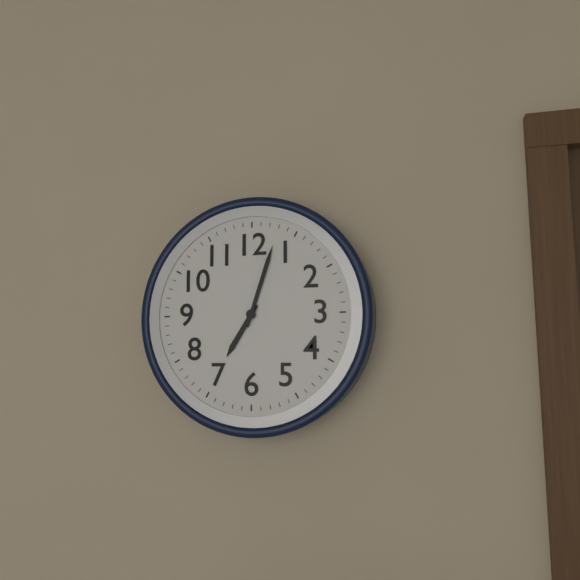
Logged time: 7:03
